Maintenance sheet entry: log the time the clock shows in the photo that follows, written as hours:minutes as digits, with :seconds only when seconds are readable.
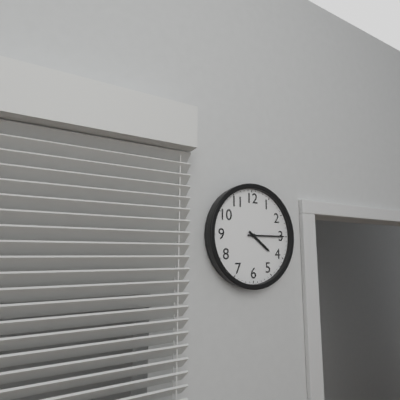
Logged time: 4:15
